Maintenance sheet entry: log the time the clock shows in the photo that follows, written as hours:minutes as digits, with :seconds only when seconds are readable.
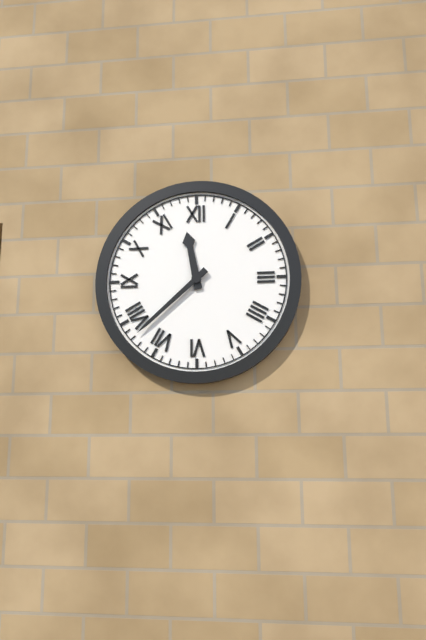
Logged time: 11:38
